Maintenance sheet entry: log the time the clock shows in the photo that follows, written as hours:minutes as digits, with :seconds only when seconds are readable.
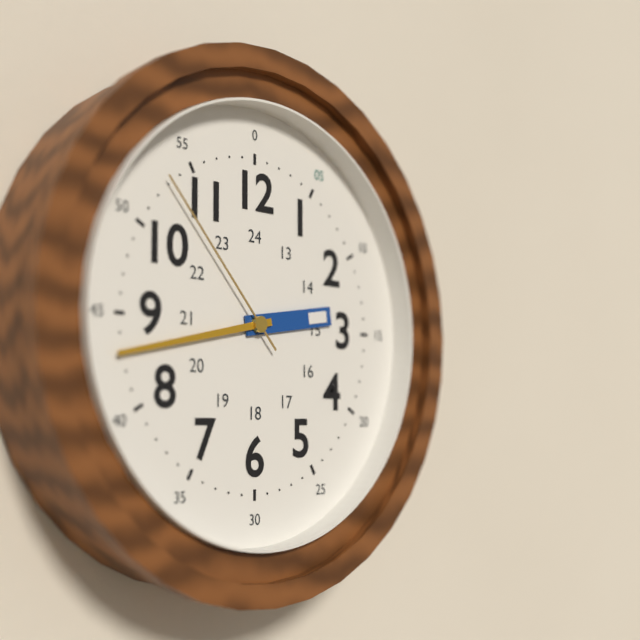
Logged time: 2:43:53
